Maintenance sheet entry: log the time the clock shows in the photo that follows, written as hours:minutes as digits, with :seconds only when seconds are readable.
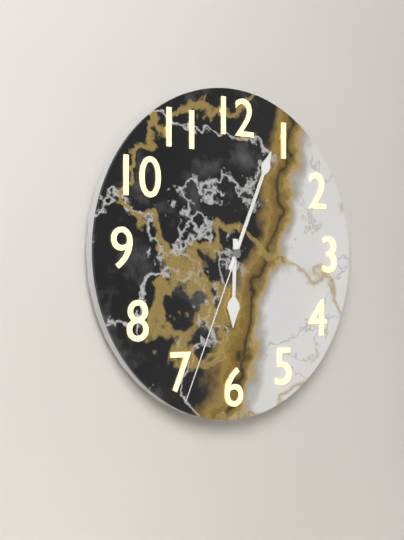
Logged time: 6:04:34
